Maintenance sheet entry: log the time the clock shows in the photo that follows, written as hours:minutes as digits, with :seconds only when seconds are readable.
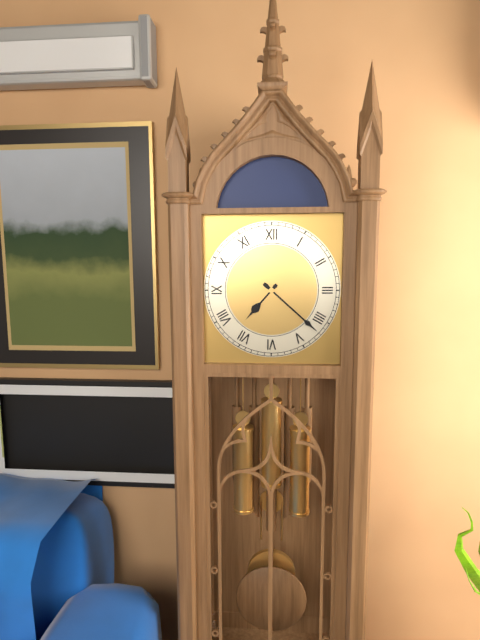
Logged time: 7:22
